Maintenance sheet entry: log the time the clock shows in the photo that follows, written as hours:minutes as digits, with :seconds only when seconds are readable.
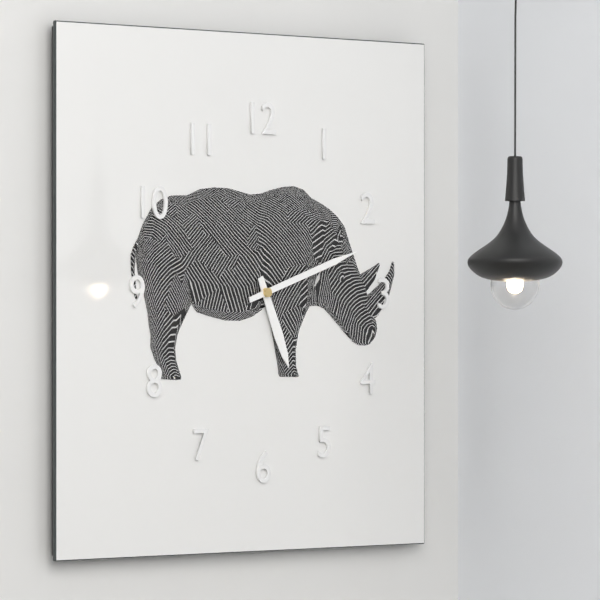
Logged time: 5:12
